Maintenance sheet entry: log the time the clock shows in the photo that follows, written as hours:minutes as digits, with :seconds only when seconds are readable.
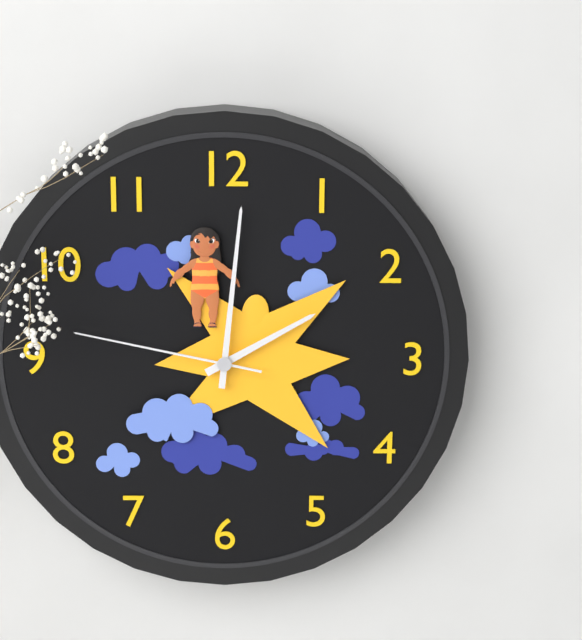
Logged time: 2:01:47
